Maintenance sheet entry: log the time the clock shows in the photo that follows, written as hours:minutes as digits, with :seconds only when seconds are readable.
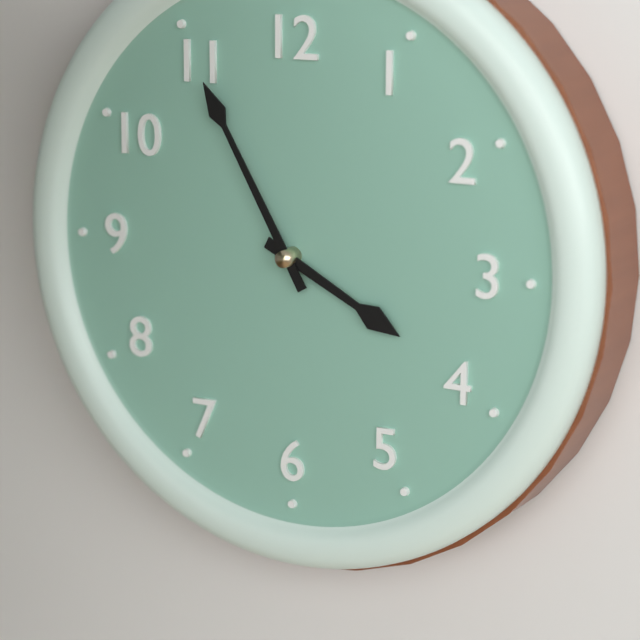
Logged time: 3:55
